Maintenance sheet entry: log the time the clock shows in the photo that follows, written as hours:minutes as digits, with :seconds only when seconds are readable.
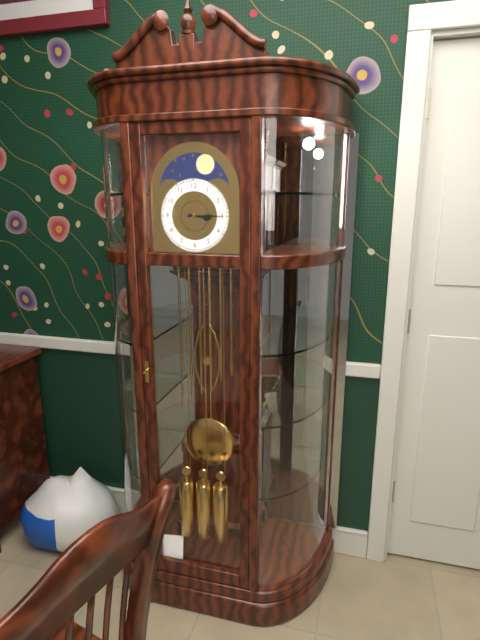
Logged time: 3:15
